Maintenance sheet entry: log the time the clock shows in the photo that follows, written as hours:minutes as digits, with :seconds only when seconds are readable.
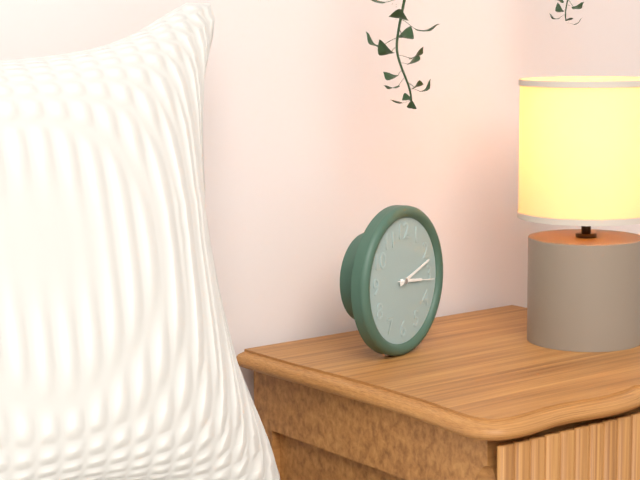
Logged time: 3:12
